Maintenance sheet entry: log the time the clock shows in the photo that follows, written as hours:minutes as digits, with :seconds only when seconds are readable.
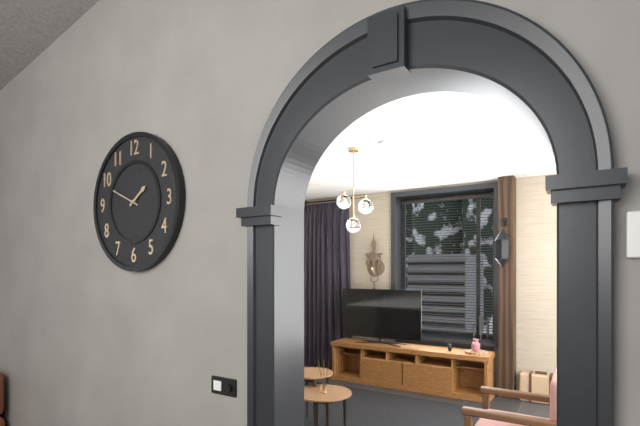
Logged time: 1:49
